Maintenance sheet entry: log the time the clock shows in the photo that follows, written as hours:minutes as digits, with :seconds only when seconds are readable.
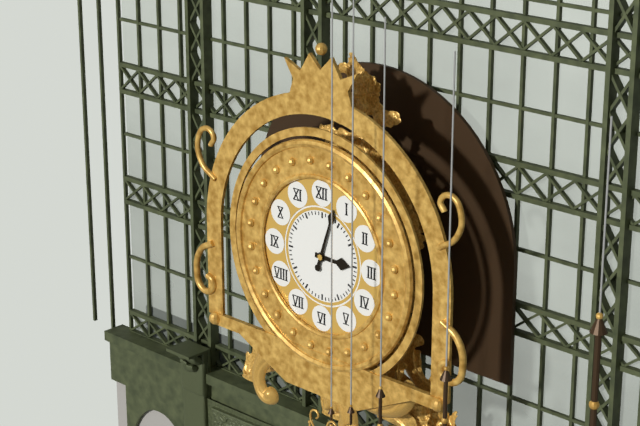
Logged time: 3:03
